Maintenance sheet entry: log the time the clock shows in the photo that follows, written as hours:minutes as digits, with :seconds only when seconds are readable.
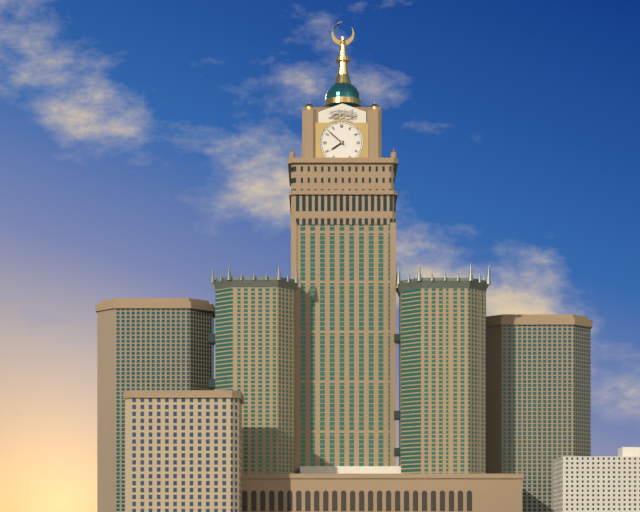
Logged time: 7:52
